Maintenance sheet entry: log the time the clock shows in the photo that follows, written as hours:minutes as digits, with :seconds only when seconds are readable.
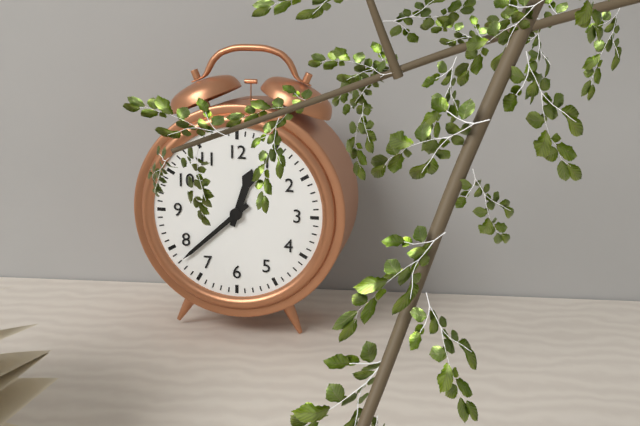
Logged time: 12:38
